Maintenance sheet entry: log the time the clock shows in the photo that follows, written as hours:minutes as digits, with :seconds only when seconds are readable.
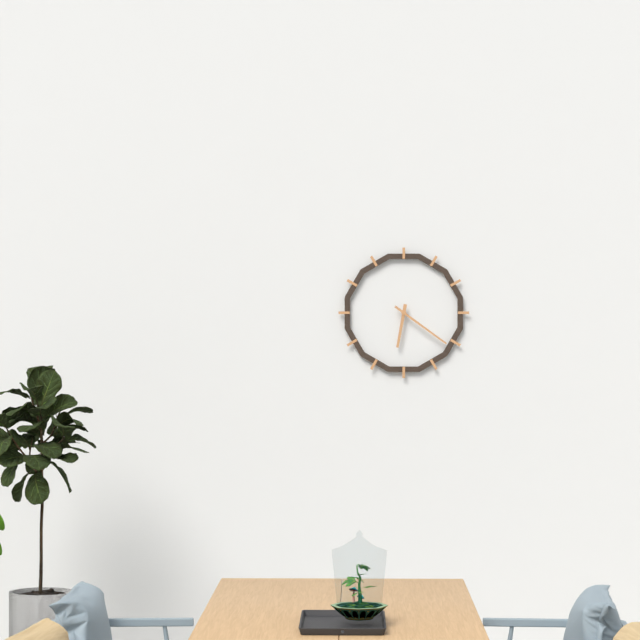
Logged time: 6:21
